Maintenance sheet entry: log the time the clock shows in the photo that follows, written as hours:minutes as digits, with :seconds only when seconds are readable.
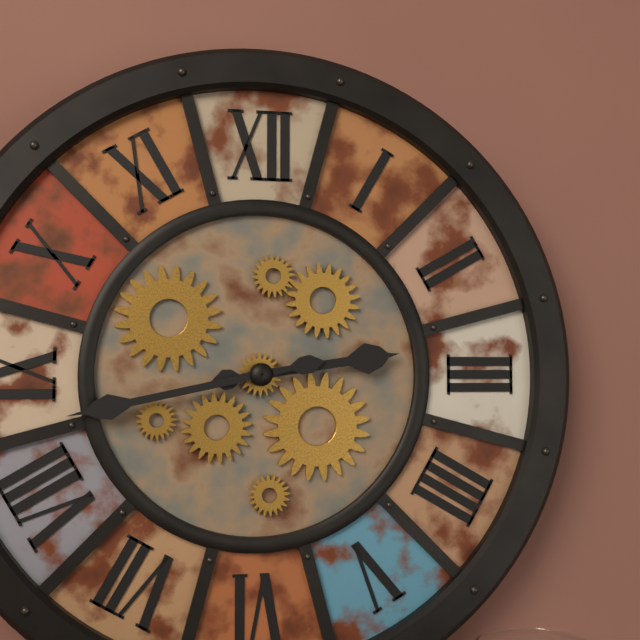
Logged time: 2:43
